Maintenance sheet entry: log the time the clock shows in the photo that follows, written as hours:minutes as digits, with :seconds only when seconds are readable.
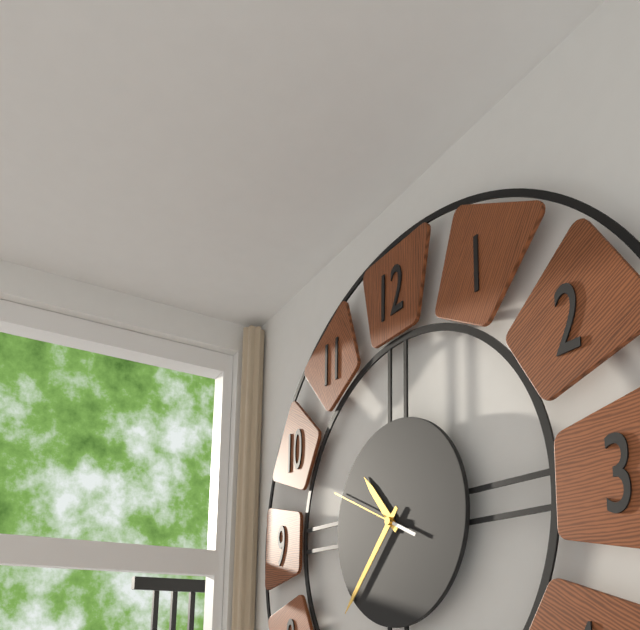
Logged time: 10:37:49
